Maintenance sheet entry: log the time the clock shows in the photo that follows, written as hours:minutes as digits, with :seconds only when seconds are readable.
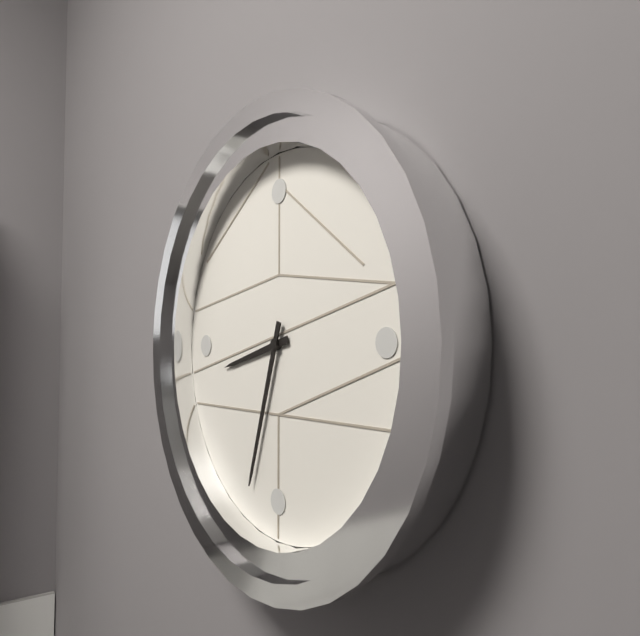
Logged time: 8:33
